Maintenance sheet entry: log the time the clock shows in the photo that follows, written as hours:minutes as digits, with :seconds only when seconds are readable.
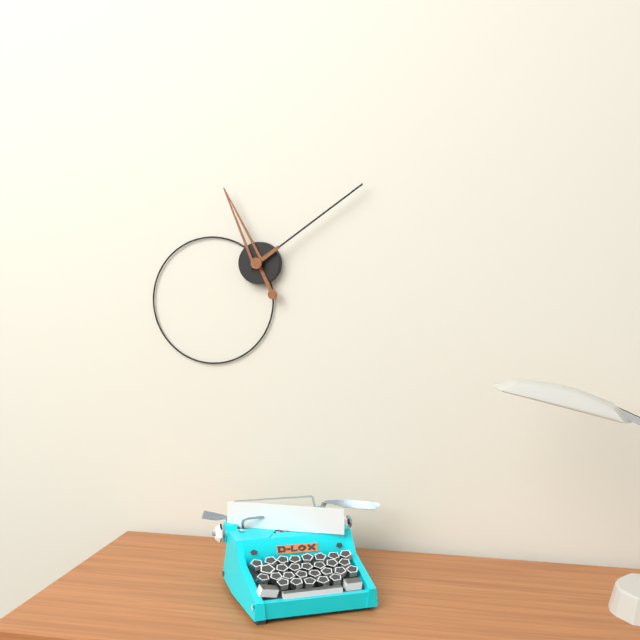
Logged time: 11:09
